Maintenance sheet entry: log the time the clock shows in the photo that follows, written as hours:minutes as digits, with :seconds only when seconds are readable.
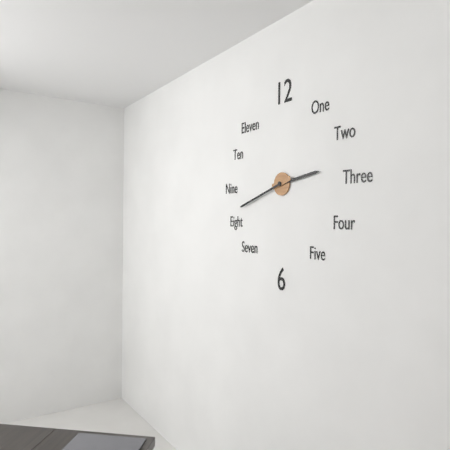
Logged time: 2:42
